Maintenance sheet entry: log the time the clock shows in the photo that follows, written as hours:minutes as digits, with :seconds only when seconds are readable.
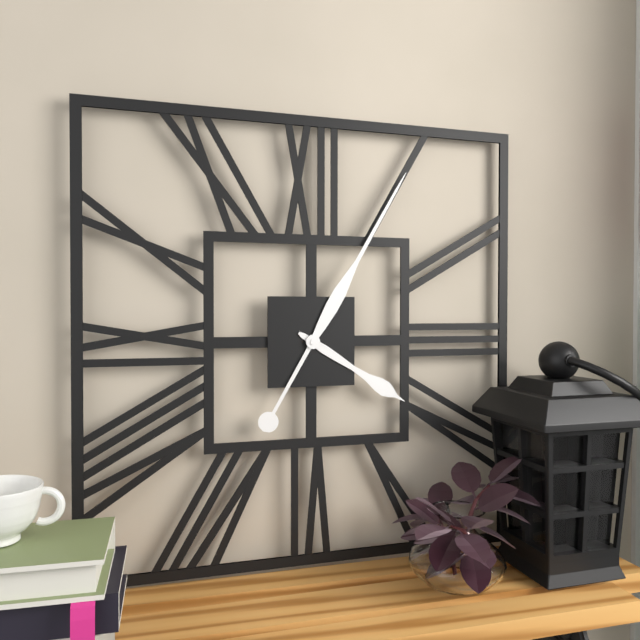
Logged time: 4:05
